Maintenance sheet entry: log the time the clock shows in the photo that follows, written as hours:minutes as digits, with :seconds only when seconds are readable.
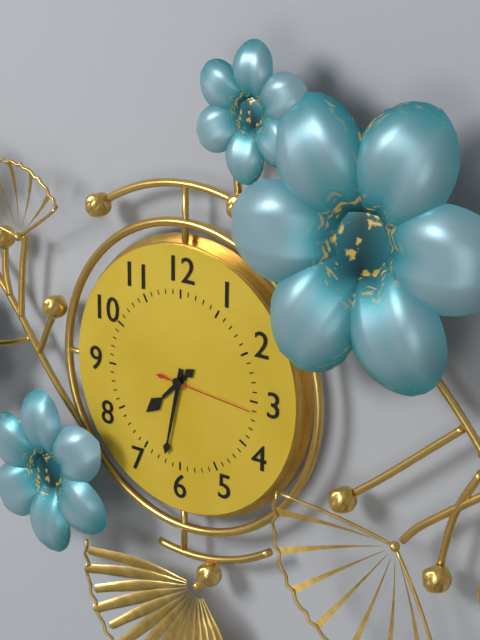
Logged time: 7:32:16
